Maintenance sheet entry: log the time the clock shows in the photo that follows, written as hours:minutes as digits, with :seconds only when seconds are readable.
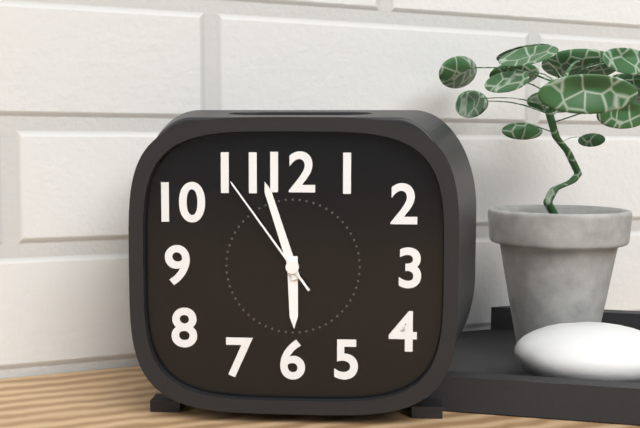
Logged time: 5:57:54
